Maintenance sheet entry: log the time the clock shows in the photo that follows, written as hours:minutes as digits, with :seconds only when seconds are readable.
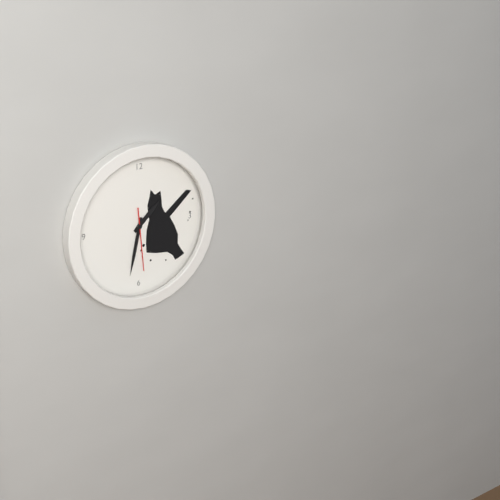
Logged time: 1:32:29
